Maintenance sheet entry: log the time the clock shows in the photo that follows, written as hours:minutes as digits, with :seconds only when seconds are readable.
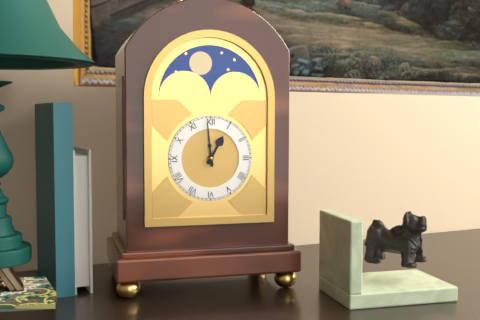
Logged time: 12:59
